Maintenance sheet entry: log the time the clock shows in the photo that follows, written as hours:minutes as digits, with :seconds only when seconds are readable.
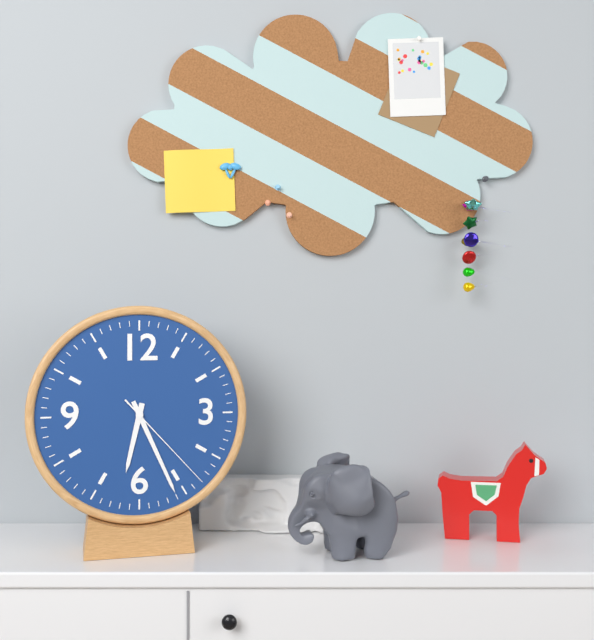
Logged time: 6:26:23
